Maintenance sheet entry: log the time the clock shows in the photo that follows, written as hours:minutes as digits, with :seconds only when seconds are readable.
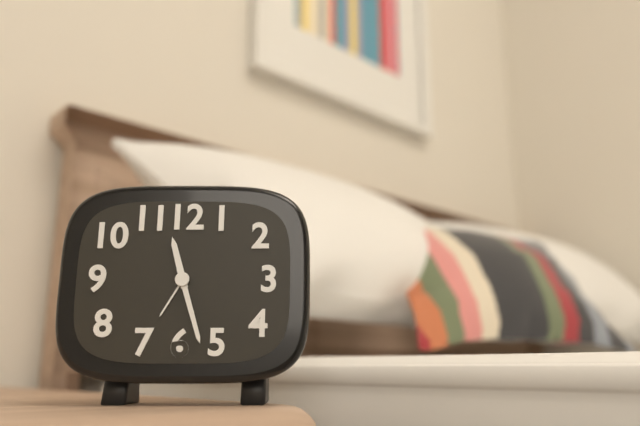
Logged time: 11:27
